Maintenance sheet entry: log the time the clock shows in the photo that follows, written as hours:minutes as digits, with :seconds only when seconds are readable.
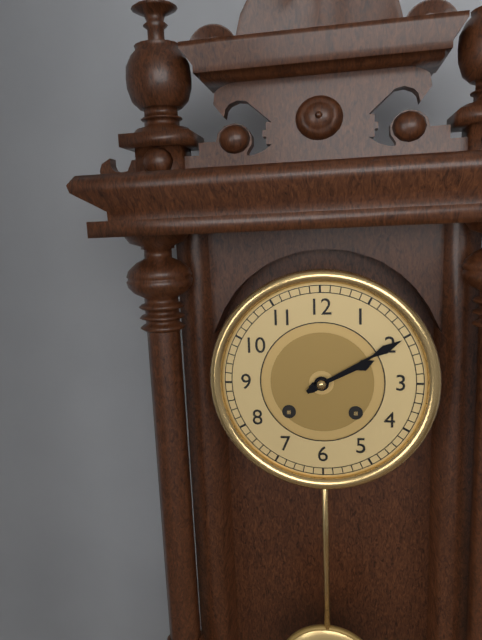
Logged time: 2:10
